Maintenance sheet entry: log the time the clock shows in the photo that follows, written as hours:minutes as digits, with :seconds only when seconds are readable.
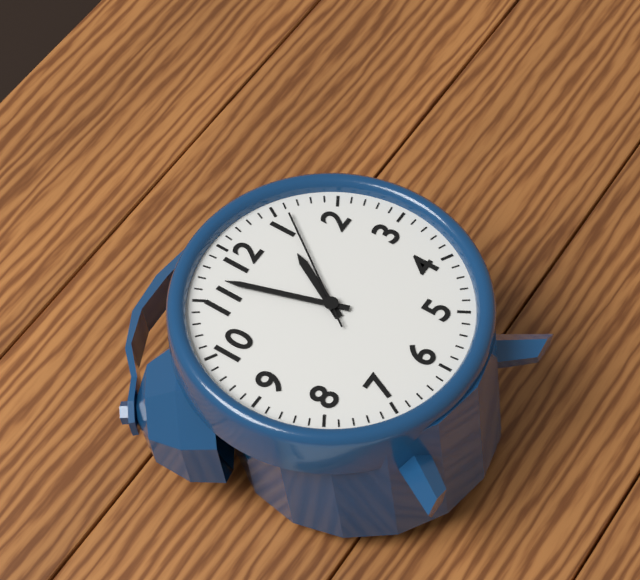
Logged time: 12:57:06
